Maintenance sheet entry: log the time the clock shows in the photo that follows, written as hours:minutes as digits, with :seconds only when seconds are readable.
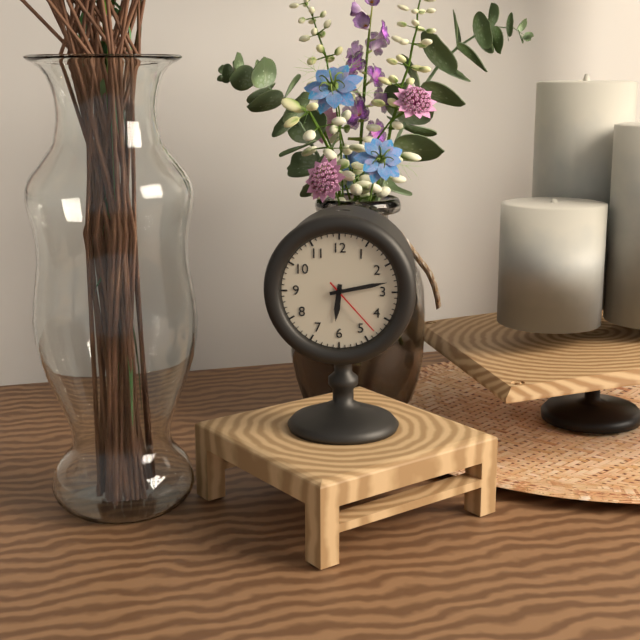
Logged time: 6:13:23
